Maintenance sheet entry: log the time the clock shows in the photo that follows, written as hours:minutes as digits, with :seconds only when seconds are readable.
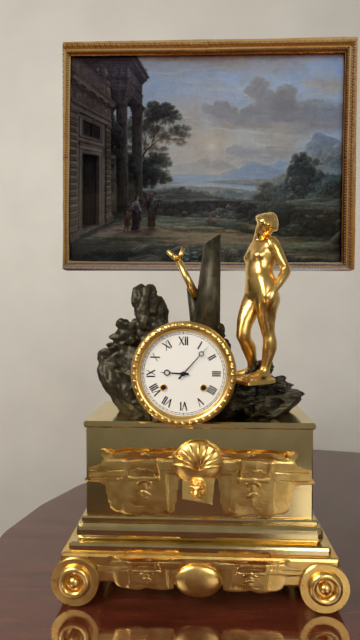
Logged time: 9:07
